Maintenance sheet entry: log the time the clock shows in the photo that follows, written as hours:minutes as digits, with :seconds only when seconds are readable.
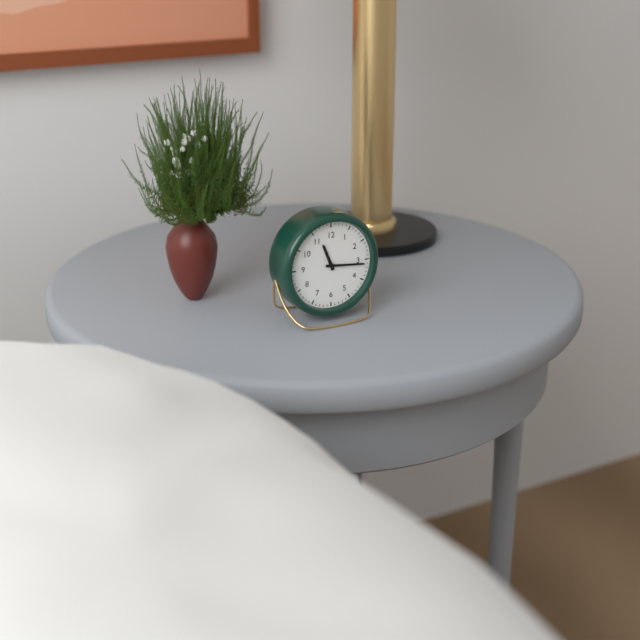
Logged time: 11:16
